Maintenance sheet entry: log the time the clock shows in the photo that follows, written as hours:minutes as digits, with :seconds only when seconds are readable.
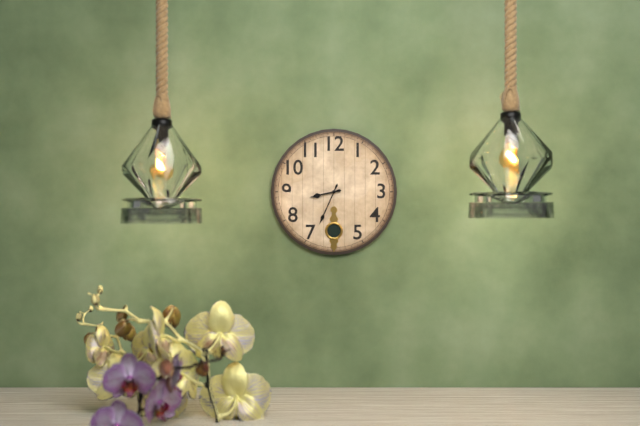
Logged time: 8:34
